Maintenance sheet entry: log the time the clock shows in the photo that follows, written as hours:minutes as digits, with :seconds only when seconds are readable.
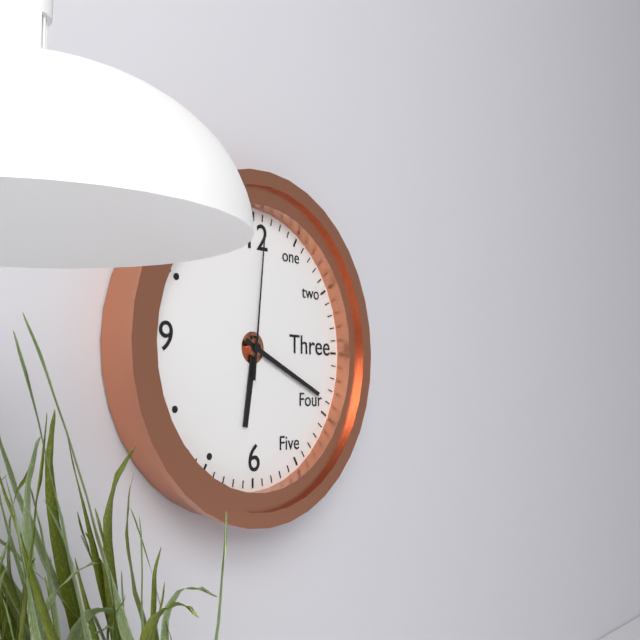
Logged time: 6:19:01
